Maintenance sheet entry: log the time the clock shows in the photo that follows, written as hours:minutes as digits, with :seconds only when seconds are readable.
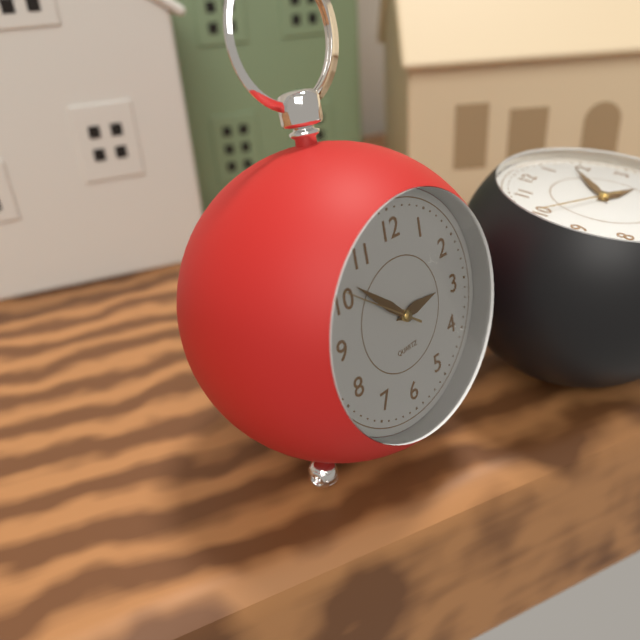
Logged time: 2:52:51
